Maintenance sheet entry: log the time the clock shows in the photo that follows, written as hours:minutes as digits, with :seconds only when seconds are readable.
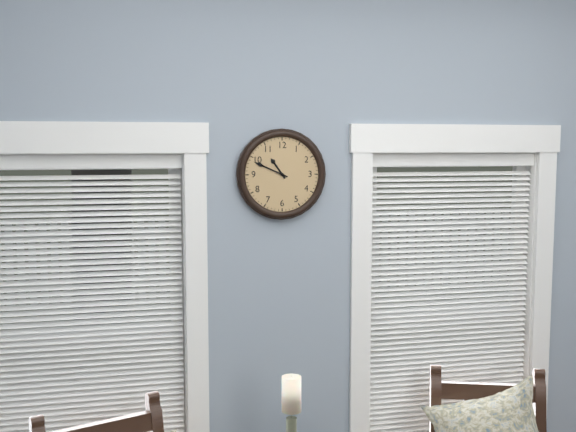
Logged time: 10:49
